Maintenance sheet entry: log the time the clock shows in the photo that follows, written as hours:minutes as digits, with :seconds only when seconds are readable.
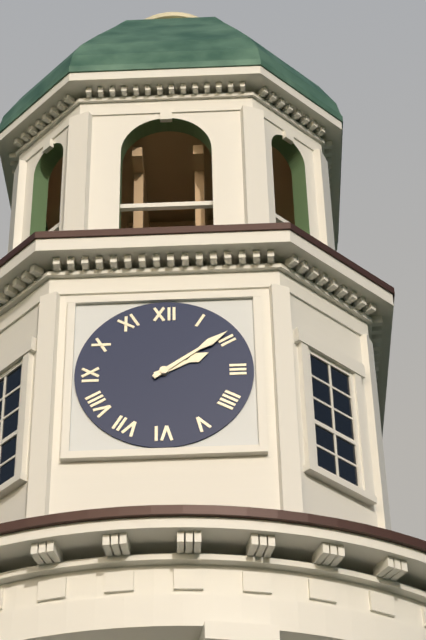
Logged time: 2:09
